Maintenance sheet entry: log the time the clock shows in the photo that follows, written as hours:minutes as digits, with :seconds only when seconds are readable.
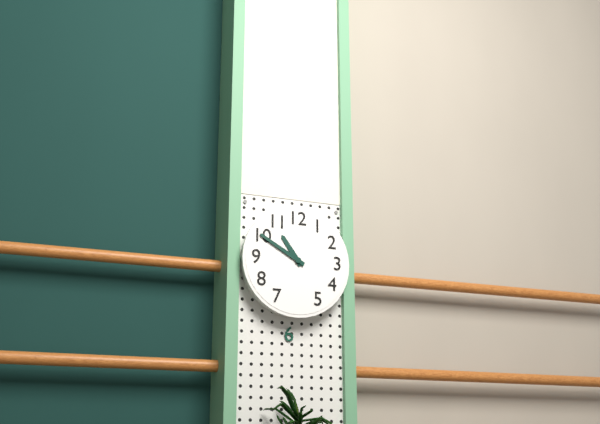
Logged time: 10:50
